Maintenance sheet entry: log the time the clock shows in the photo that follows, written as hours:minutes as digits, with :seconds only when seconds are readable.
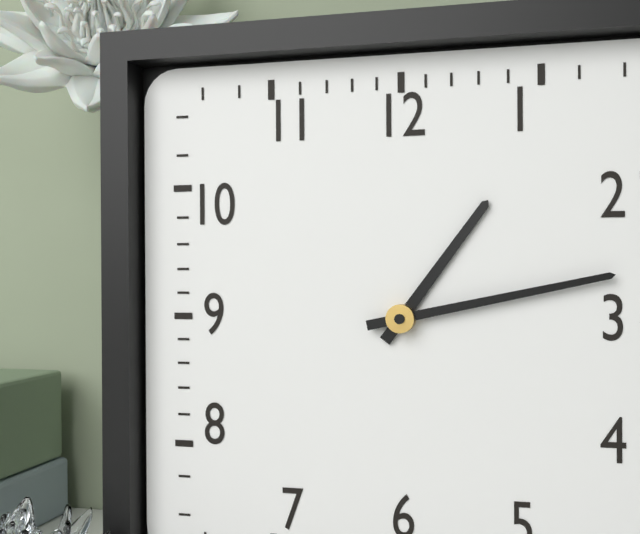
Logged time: 1:13
